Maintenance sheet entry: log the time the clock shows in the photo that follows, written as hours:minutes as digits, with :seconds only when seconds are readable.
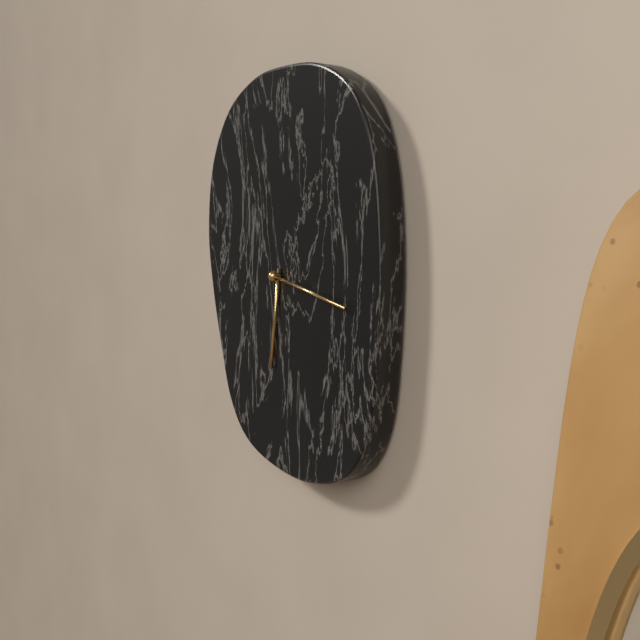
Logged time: 6:17
